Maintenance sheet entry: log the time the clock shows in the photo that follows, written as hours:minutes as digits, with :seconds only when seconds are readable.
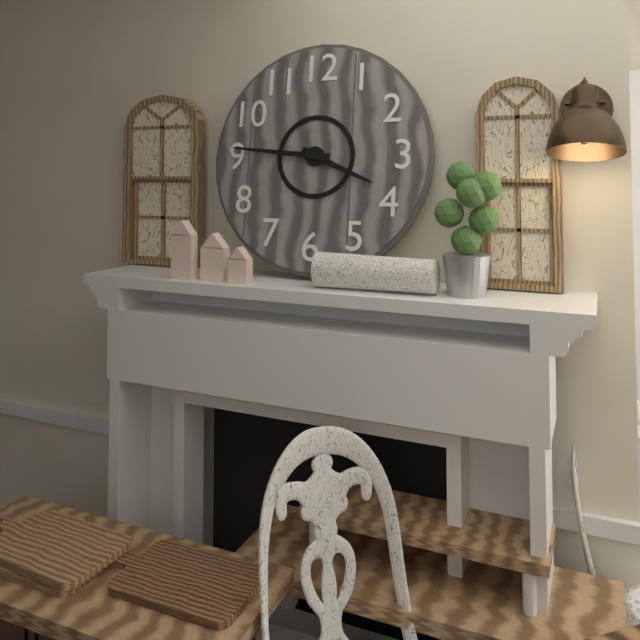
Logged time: 3:46
